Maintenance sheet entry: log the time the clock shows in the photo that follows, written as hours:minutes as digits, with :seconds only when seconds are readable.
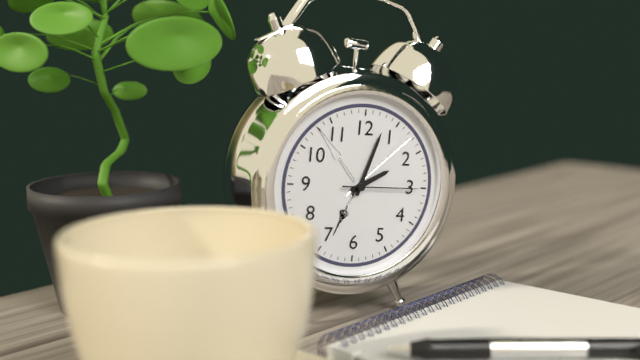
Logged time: 2:03:15
